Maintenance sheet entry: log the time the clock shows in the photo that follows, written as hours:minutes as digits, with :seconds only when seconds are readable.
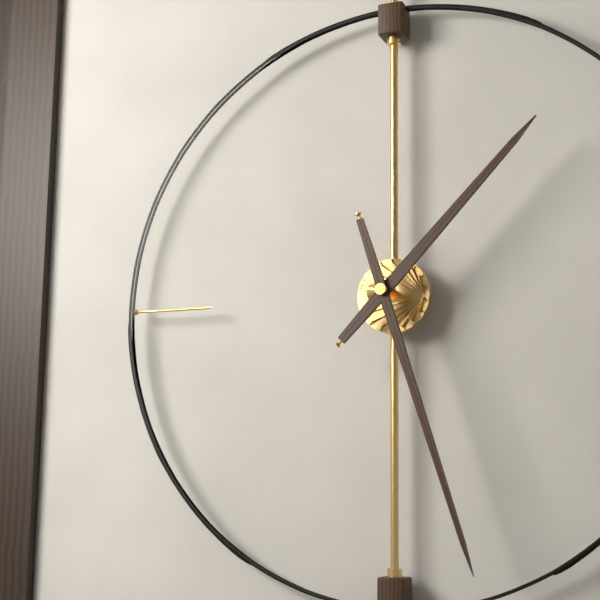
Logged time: 1:27
